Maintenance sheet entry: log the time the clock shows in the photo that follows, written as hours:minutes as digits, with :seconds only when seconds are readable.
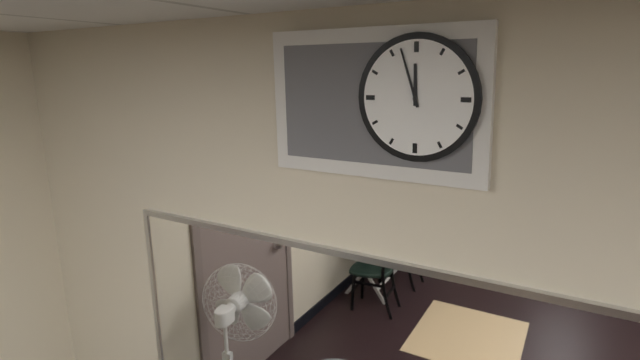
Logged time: 11:57
